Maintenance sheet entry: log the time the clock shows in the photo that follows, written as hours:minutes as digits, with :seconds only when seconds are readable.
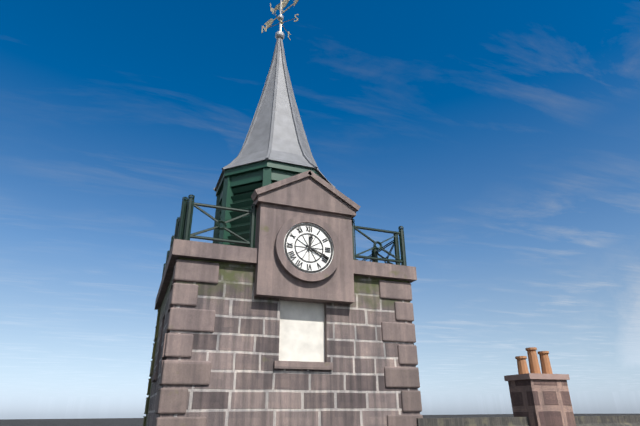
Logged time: 12:19
